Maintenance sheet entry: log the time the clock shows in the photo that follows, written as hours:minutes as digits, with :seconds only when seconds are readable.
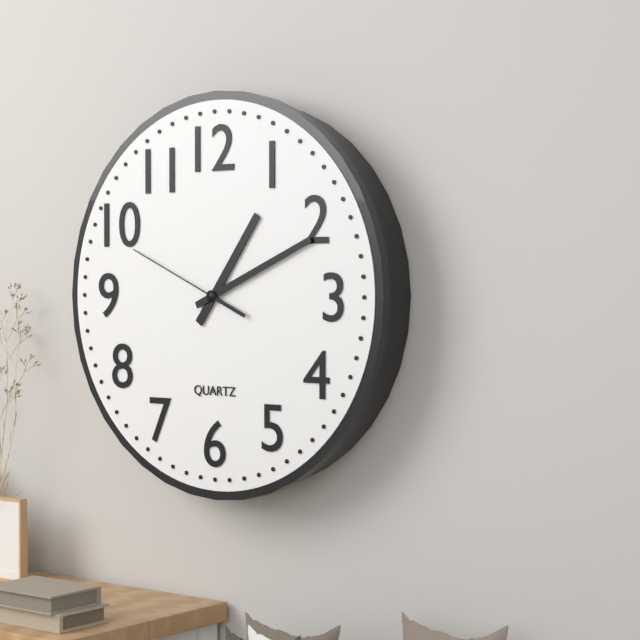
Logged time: 1:11:49
